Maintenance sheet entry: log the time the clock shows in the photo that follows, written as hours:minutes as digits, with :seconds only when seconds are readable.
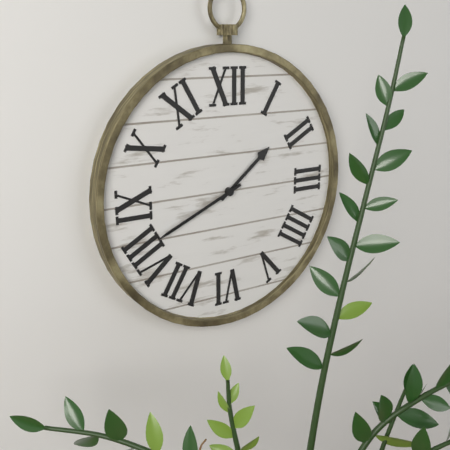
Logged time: 1:41
